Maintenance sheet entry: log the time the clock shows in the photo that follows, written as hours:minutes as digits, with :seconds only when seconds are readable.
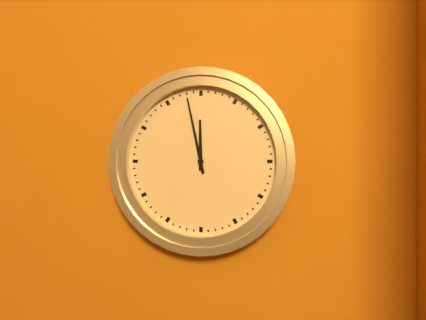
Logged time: 11:58
